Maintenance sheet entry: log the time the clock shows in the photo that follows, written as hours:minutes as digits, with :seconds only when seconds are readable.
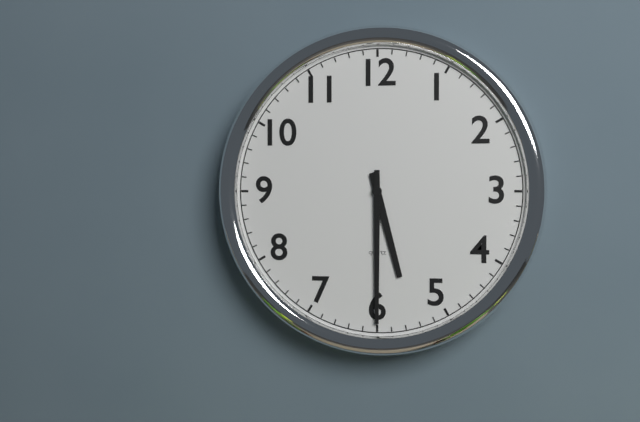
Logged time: 5:30
